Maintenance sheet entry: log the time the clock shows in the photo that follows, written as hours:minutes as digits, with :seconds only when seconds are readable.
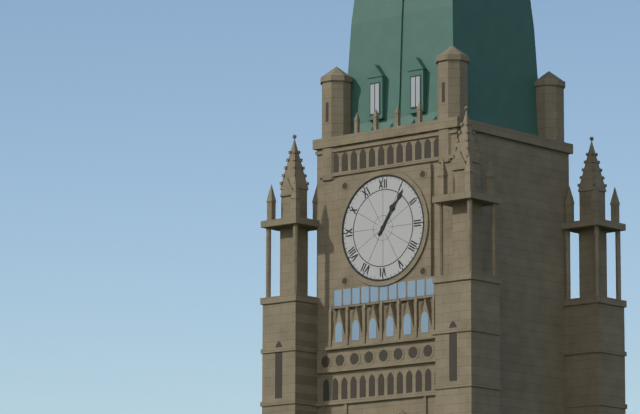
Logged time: 1:06
